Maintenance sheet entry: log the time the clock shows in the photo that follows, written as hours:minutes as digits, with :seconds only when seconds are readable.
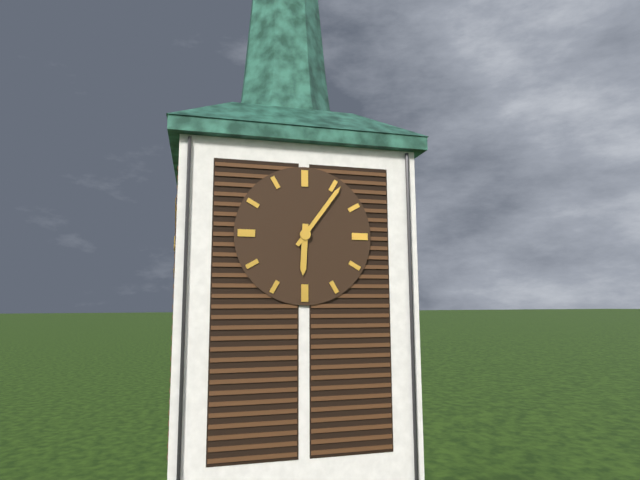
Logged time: 6:06
